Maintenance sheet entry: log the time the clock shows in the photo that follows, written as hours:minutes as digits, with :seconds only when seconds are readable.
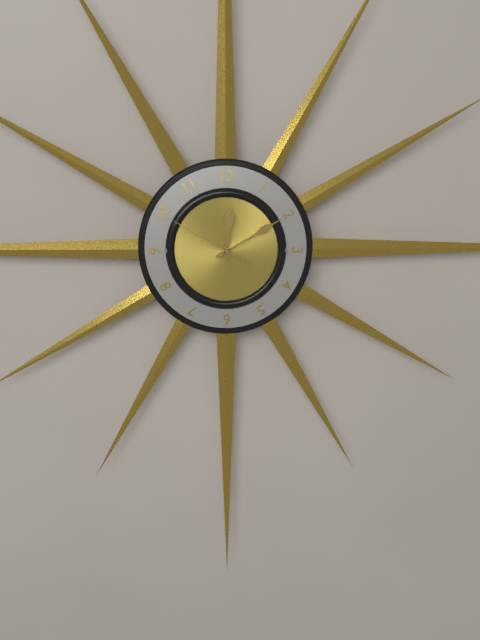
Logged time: 12:10:50
